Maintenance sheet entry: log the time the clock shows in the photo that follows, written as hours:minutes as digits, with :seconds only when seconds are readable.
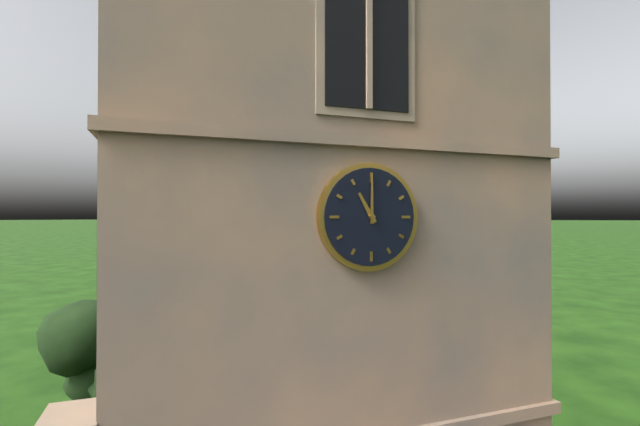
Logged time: 11:00
